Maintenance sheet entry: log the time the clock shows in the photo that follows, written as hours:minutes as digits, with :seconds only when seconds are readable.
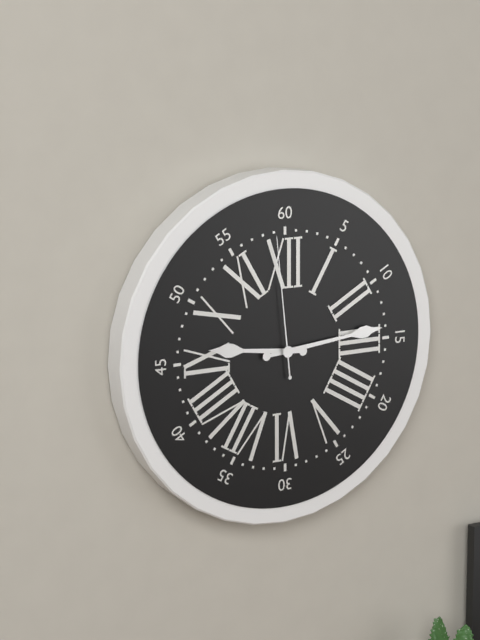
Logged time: 9:14:59
